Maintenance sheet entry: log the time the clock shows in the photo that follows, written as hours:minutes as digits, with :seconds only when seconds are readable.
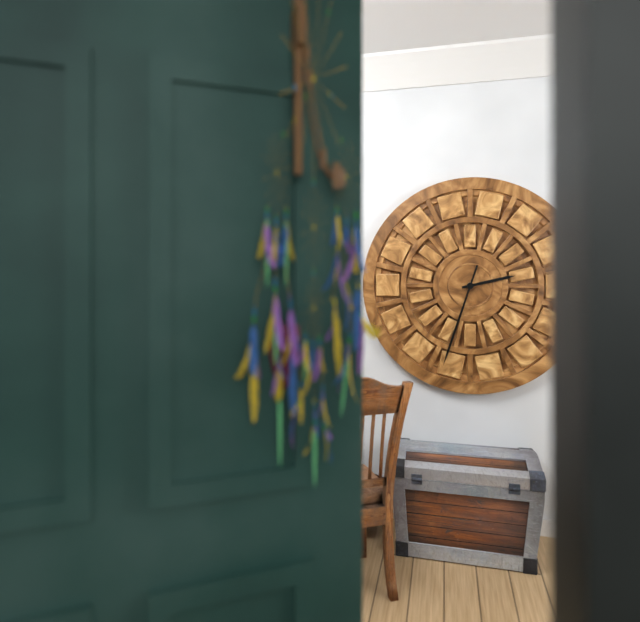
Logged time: 2:33
